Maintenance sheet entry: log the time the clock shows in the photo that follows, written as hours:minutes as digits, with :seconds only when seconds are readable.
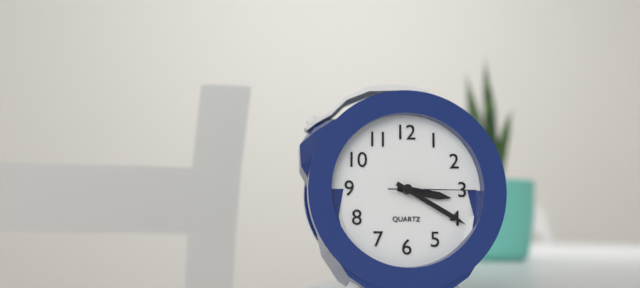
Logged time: 3:20:15
